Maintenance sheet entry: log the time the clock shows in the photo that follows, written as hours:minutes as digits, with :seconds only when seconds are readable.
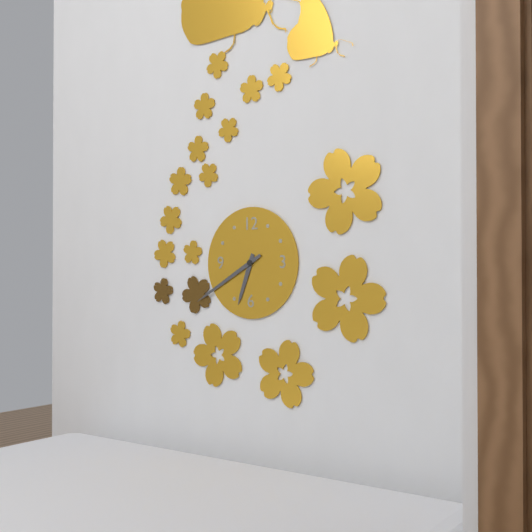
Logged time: 6:40
